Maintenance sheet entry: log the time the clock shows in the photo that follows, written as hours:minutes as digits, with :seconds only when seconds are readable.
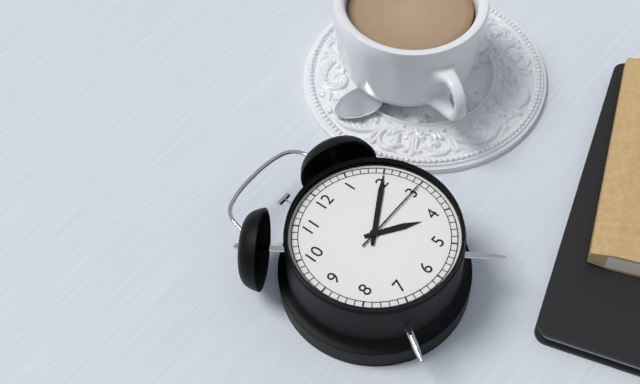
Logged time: 4:10:15
